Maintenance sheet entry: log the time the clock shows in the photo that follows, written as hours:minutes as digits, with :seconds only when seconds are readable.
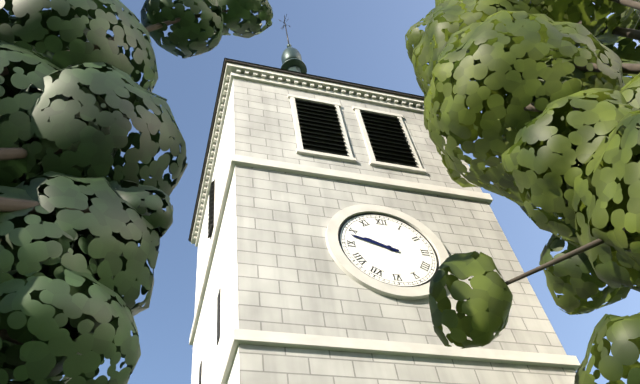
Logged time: 9:48
